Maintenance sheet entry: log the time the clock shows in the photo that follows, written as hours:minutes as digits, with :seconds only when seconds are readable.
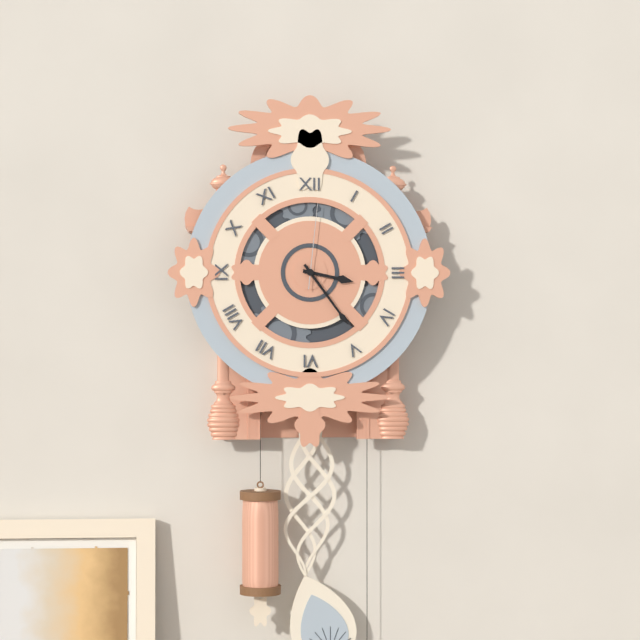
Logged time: 3:24:01
